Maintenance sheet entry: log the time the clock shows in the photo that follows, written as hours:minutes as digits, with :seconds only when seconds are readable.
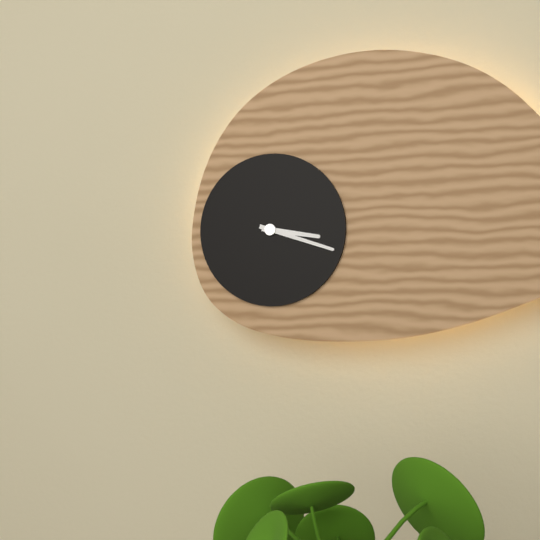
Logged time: 3:18
